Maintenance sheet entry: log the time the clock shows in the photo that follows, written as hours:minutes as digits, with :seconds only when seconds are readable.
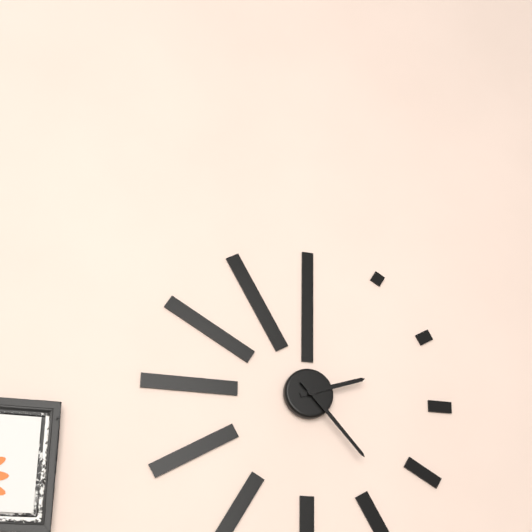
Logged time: 2:23
